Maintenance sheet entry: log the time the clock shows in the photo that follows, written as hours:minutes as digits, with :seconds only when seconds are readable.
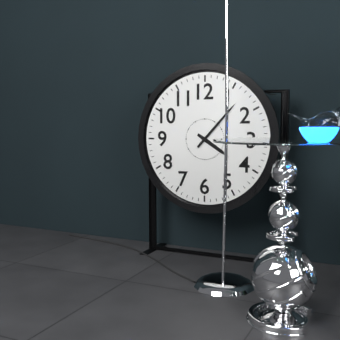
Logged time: 4:07
